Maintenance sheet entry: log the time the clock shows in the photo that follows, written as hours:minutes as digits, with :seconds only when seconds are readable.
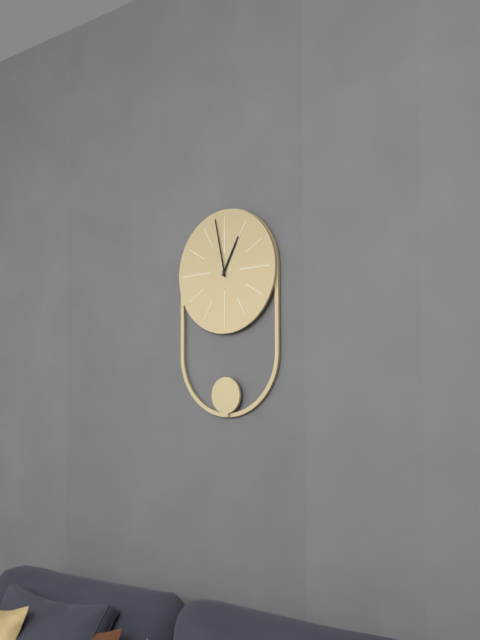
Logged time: 12:58
